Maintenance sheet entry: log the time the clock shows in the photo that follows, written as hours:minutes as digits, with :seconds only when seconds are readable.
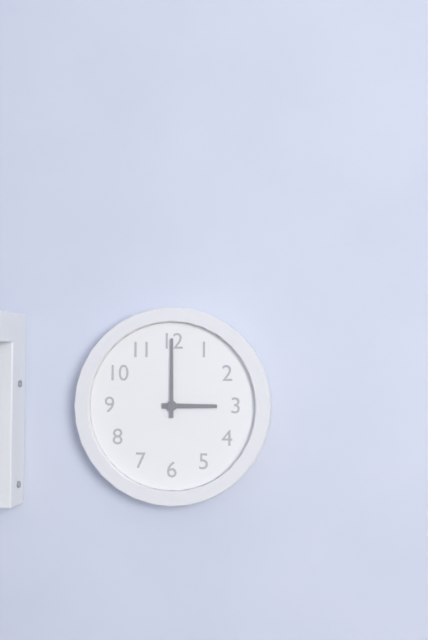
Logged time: 3:00
